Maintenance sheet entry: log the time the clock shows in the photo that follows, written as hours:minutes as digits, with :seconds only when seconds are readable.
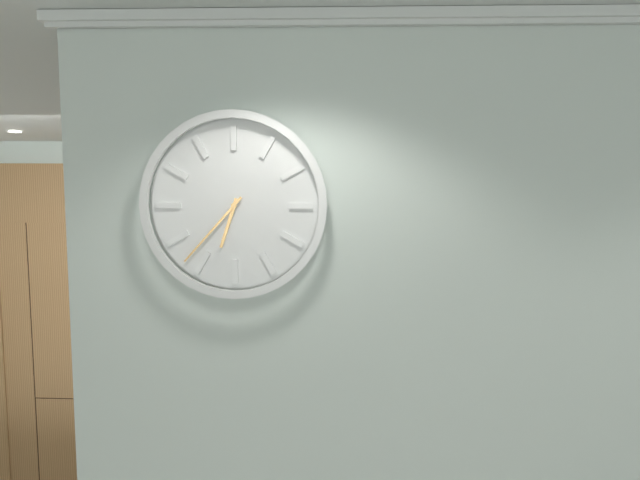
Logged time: 6:37
